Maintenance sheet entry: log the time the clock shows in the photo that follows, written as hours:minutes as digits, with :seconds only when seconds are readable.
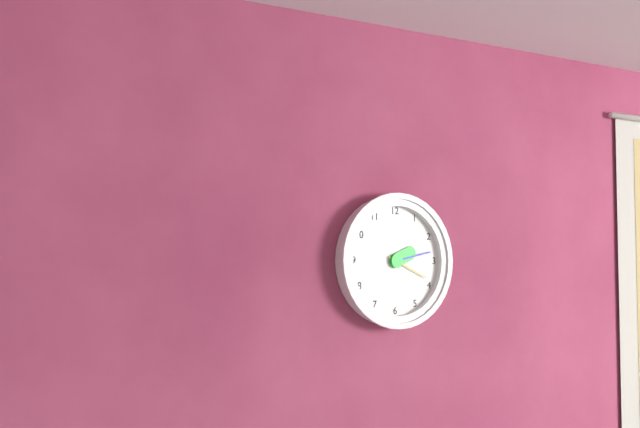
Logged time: 2:13:19
